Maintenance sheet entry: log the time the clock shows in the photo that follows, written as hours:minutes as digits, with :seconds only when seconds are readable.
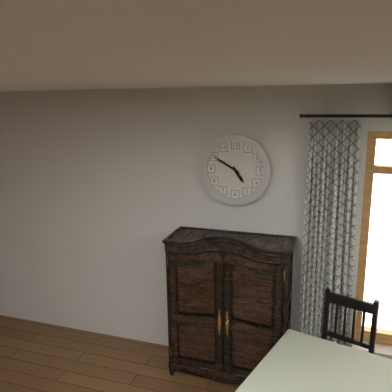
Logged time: 4:50
